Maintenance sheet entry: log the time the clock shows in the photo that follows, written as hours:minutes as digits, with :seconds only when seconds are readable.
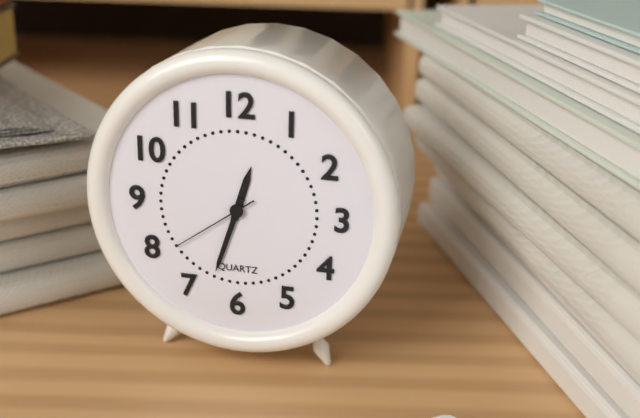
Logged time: 12:33:39
